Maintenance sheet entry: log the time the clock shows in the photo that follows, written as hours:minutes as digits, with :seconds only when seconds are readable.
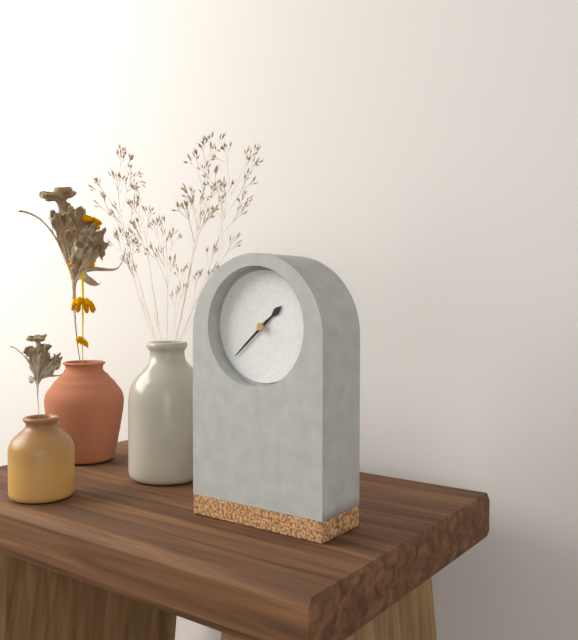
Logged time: 1:38
